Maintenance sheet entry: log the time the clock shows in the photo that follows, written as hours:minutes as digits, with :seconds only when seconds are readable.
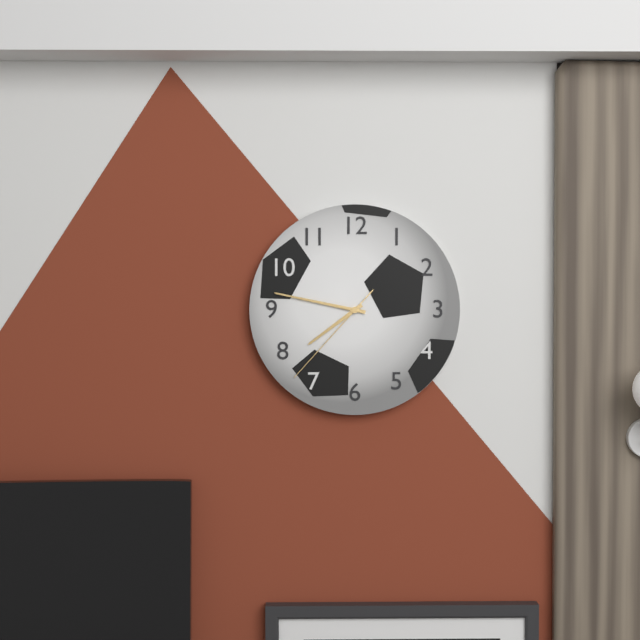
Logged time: 7:47:37
